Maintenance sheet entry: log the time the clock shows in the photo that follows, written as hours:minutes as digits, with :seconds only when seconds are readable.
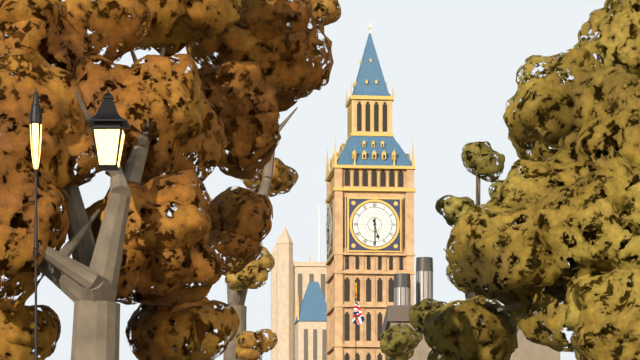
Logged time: 5:30
